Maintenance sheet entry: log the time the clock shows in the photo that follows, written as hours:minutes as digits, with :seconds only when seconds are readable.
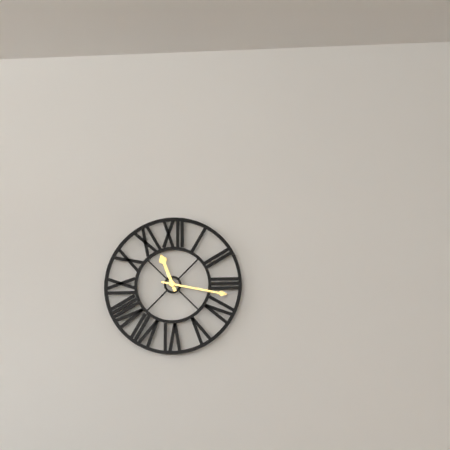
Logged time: 11:17
